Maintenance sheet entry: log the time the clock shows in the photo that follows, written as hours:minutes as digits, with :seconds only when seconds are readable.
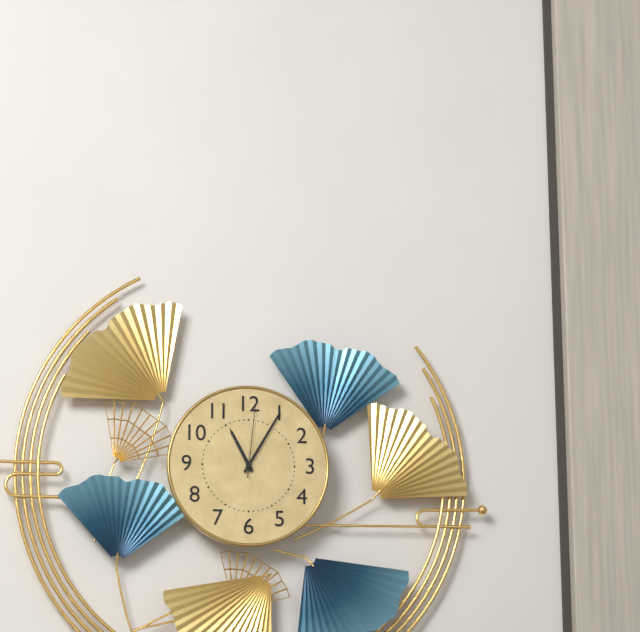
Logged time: 11:05:01
